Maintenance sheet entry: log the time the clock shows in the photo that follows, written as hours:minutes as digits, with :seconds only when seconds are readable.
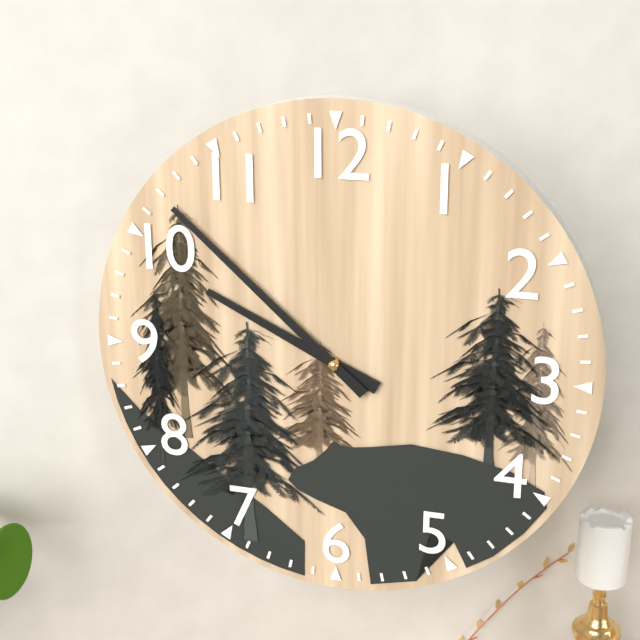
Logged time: 9:52
